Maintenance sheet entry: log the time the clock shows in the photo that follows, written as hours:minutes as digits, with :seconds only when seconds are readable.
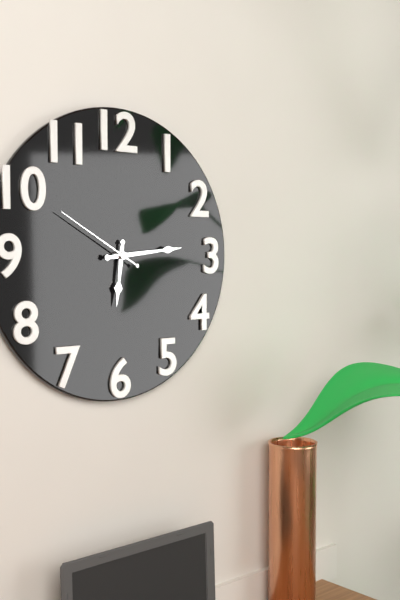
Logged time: 6:14:50
